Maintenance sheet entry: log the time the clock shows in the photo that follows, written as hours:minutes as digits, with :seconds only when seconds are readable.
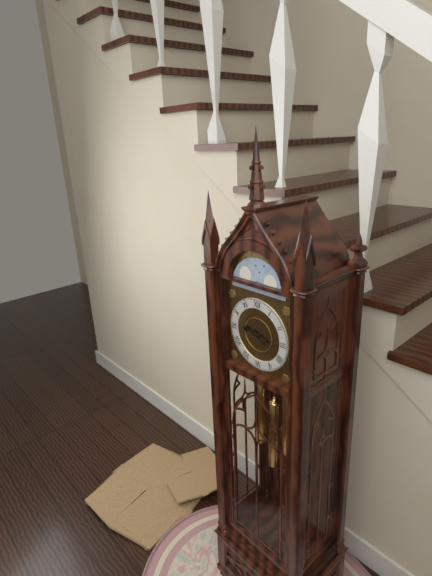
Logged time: 9:19
